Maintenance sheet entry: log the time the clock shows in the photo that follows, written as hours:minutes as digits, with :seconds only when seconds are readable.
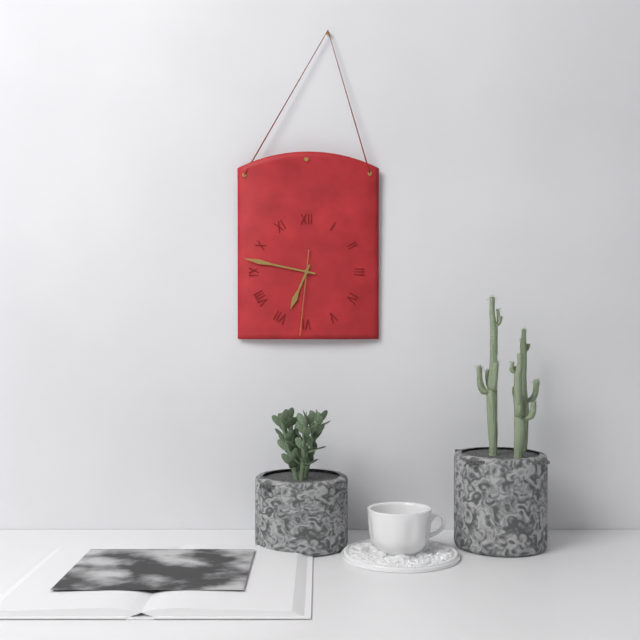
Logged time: 6:47:31
